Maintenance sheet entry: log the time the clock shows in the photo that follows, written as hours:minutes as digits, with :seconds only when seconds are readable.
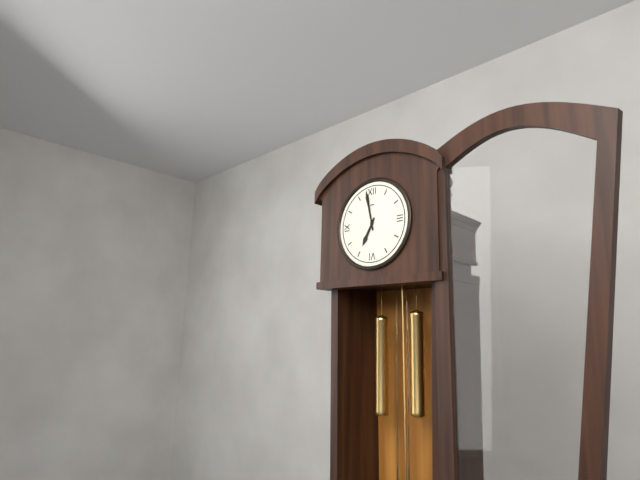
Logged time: 6:58
